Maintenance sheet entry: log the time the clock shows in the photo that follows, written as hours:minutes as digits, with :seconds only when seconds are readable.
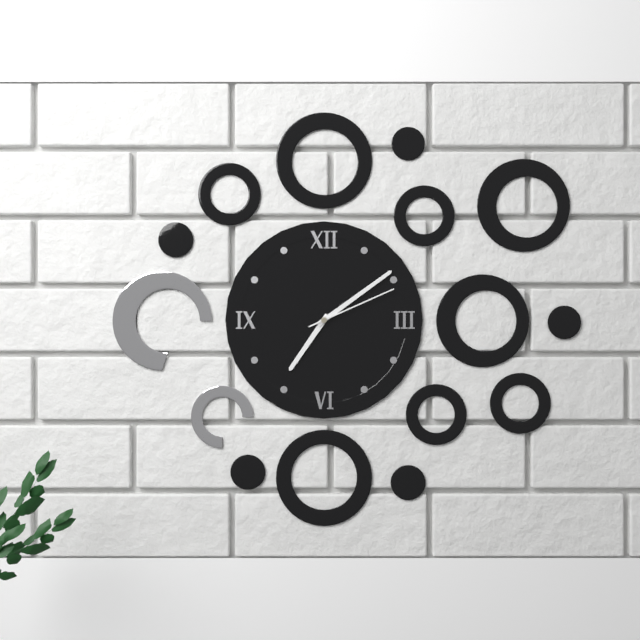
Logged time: 7:09:11
